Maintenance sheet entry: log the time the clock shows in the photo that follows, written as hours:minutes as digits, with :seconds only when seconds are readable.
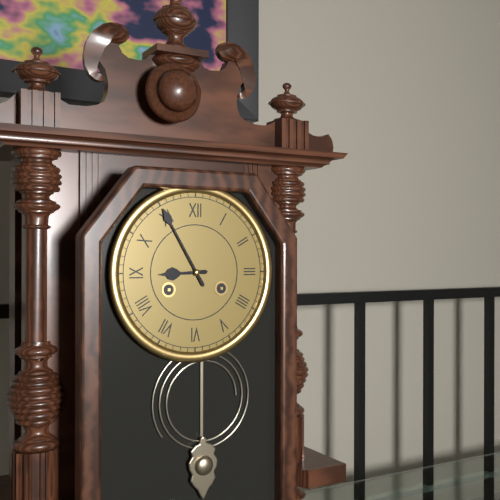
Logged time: 8:55
